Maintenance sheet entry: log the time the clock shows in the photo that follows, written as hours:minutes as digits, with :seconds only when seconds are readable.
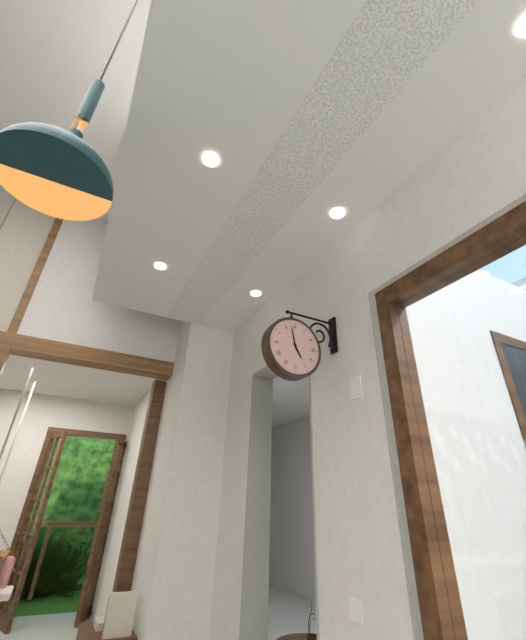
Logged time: 4:58
